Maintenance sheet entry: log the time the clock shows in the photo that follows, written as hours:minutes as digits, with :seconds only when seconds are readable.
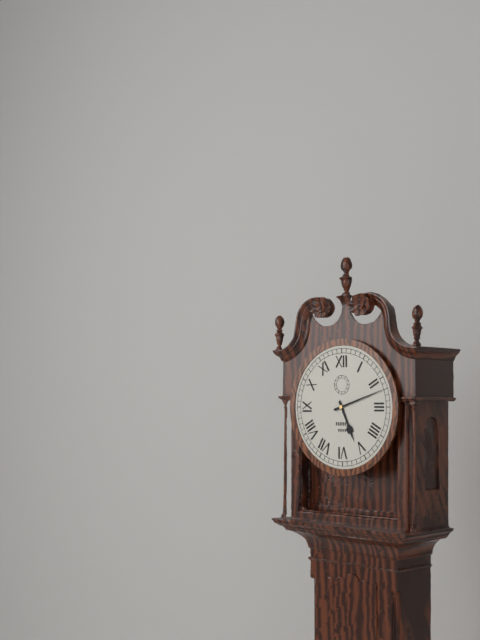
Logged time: 5:12
